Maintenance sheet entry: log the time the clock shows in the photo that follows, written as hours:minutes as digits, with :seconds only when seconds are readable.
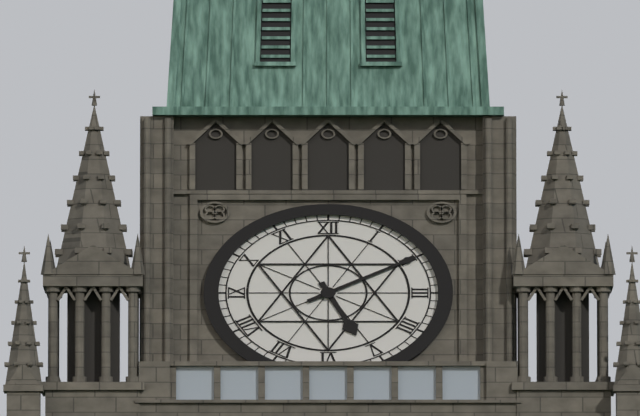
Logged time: 5:10
